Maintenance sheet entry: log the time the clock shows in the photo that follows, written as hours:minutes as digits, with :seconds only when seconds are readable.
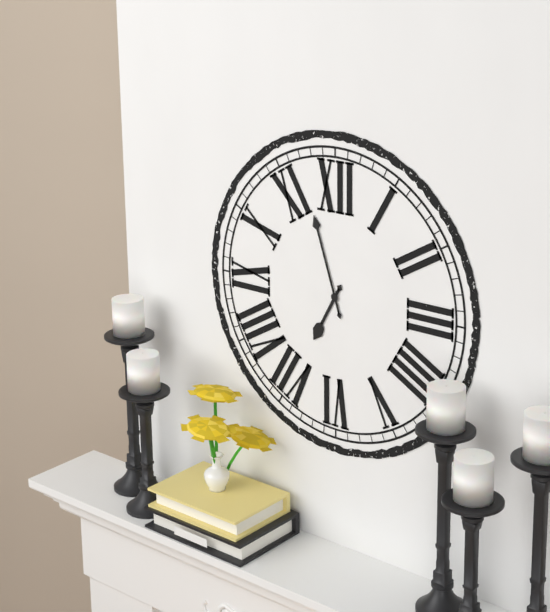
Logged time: 6:57
